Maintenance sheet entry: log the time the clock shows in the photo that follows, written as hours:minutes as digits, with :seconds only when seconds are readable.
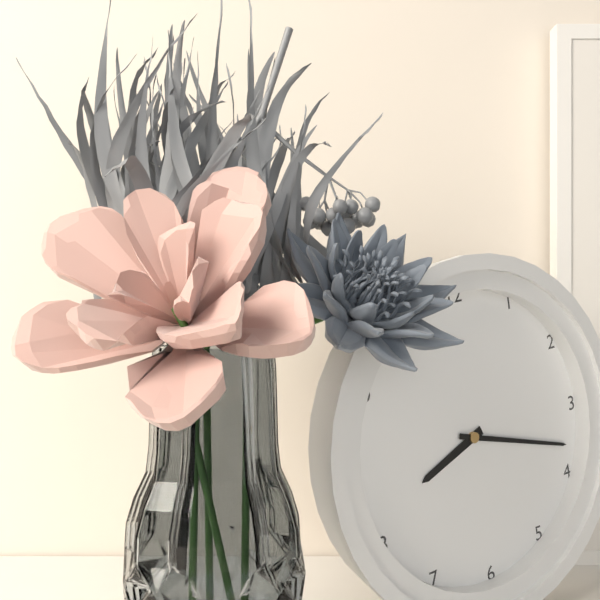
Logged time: 8:18
